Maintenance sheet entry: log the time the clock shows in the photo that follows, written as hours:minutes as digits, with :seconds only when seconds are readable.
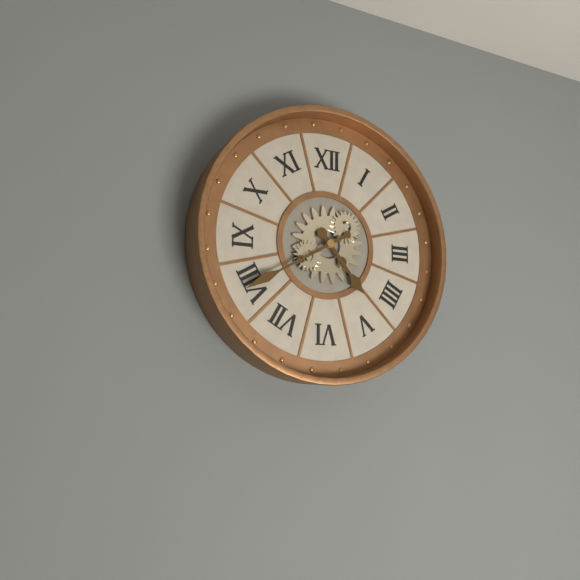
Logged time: 4:40
